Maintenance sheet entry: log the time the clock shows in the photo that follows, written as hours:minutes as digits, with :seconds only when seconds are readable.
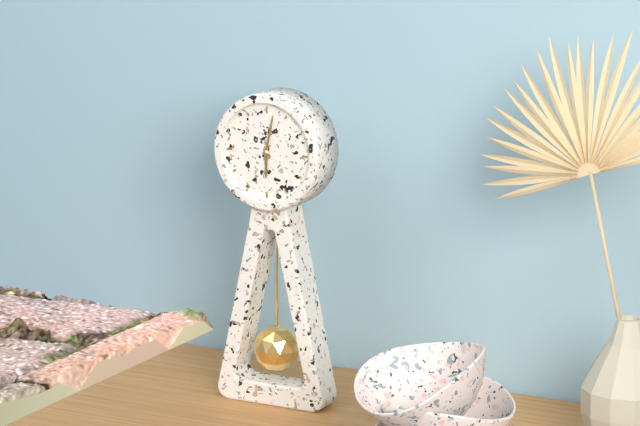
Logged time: 6:02
